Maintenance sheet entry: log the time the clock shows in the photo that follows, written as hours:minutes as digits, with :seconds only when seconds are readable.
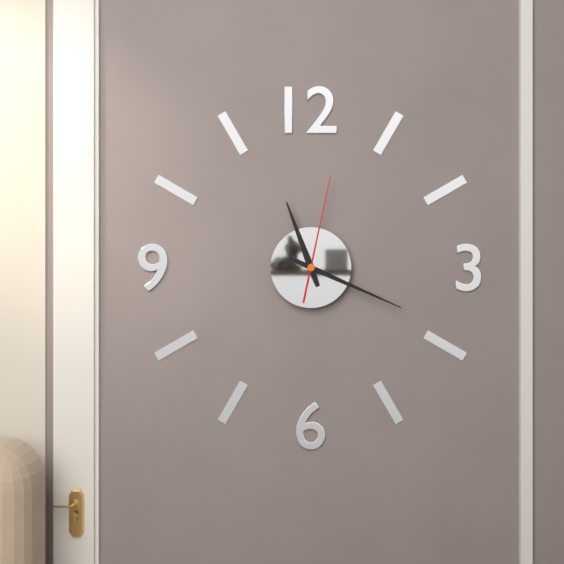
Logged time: 11:19:02
